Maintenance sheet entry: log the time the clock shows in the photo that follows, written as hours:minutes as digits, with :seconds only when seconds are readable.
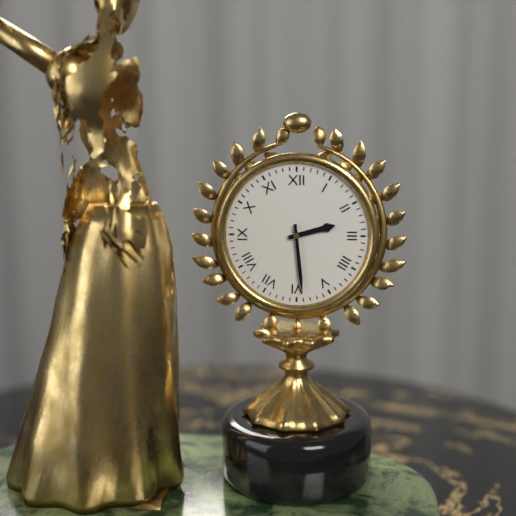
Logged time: 2:29
